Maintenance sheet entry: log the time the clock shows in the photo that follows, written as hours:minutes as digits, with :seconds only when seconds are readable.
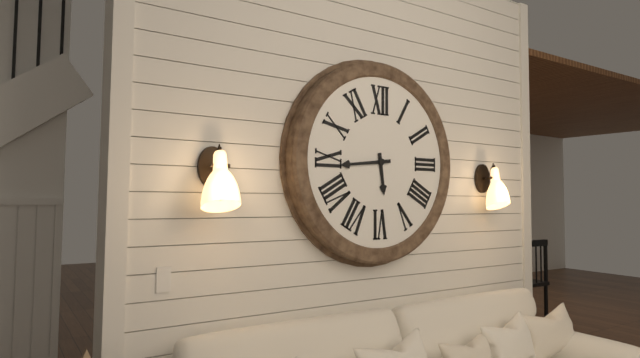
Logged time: 5:44
